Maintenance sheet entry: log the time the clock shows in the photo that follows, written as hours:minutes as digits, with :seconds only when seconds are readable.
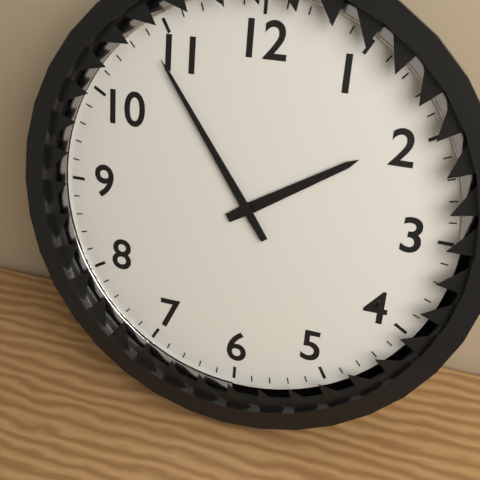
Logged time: 1:54
